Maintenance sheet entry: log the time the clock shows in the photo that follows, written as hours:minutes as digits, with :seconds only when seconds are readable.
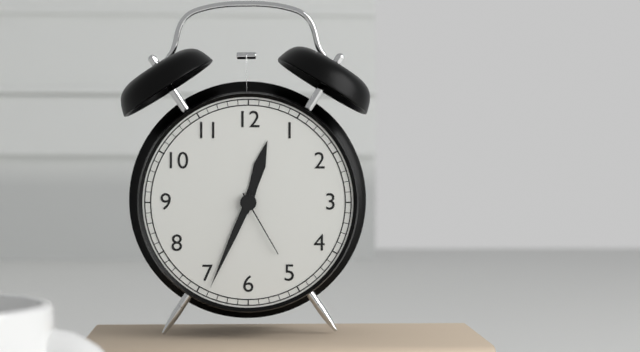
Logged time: 12:34:25
